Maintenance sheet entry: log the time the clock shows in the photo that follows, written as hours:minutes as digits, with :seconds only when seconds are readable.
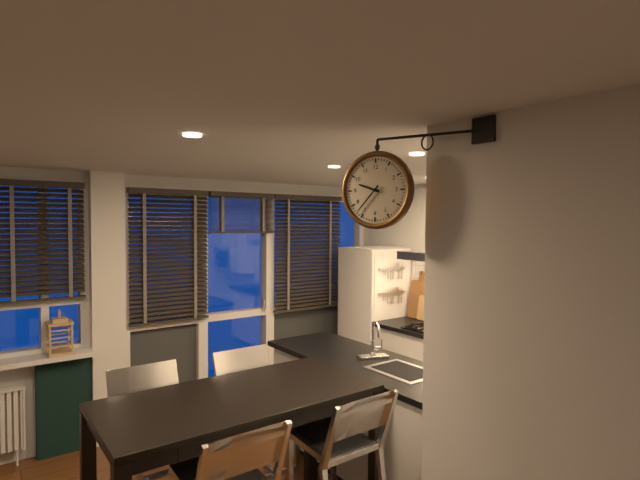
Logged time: 9:37
